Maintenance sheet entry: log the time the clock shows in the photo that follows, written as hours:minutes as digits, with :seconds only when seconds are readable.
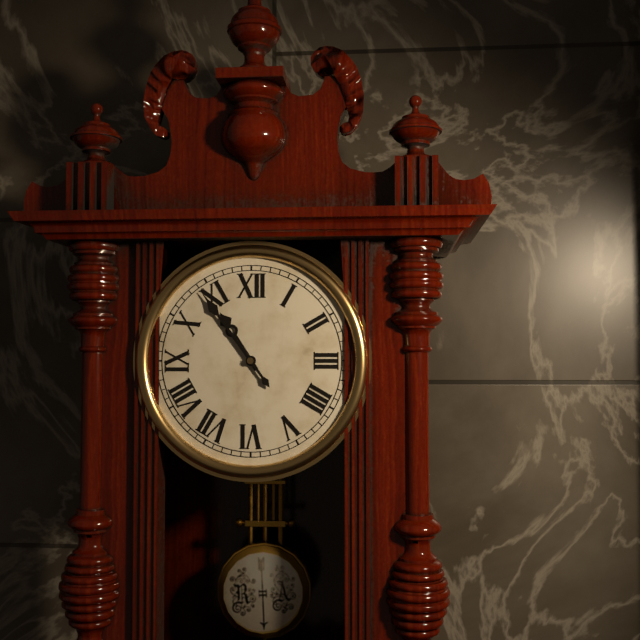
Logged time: 10:54
